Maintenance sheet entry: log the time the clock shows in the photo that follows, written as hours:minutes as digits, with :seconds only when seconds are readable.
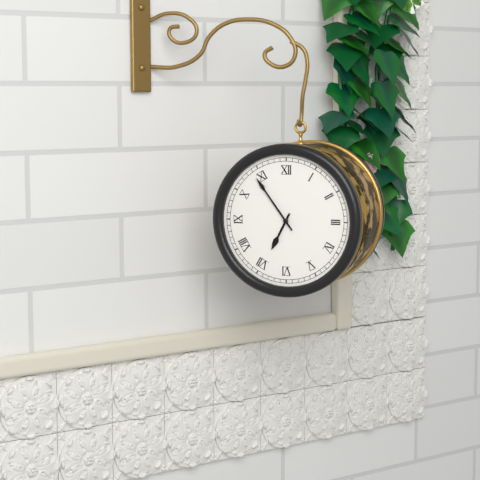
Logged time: 6:54
